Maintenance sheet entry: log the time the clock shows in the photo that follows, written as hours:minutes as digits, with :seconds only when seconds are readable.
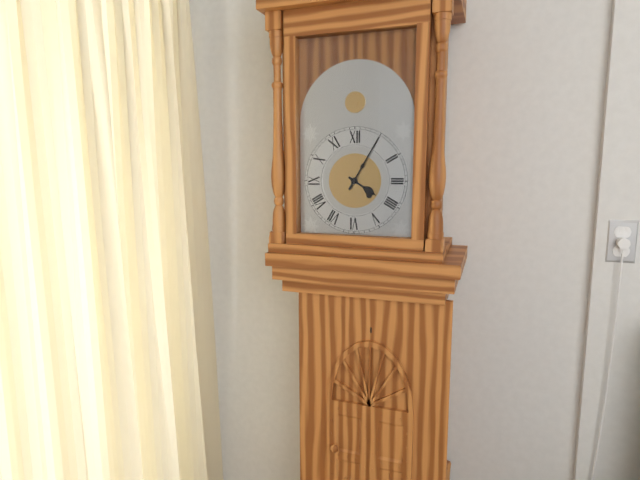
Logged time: 4:05
